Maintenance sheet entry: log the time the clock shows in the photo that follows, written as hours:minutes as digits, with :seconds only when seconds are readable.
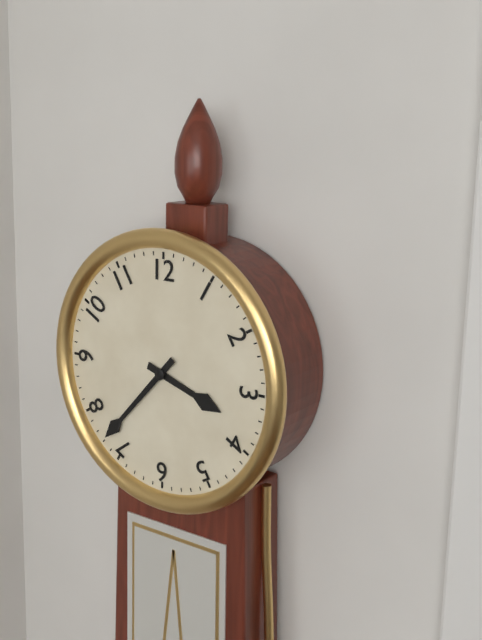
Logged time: 3:37
